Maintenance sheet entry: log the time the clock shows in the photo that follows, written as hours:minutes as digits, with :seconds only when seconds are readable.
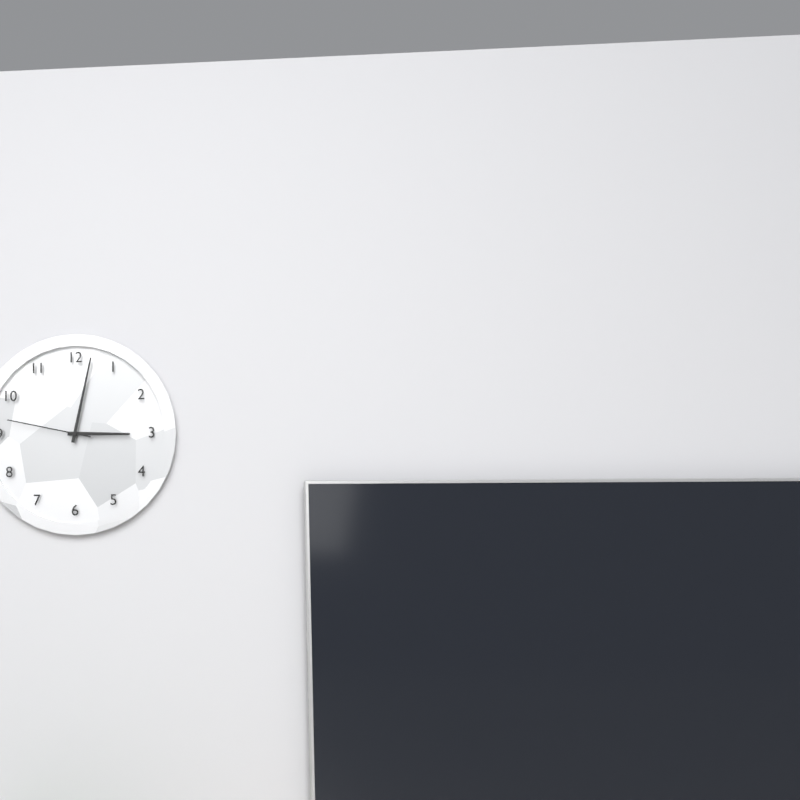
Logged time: 3:02:47
